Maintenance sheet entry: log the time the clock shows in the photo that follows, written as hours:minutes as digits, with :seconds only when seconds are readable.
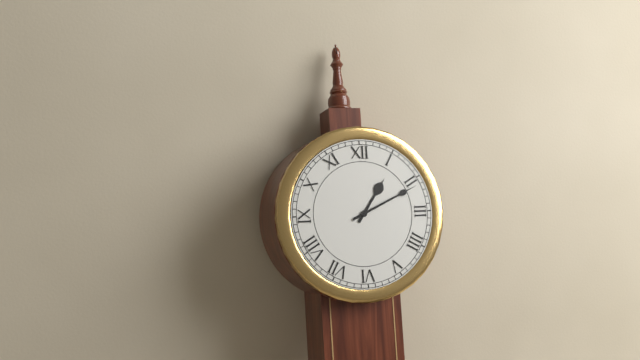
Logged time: 1:11
